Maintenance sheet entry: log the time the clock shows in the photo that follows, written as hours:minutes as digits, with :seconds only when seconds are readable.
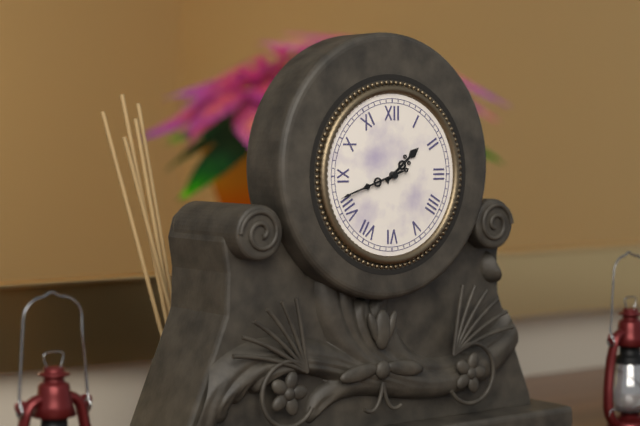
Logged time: 1:42:42
